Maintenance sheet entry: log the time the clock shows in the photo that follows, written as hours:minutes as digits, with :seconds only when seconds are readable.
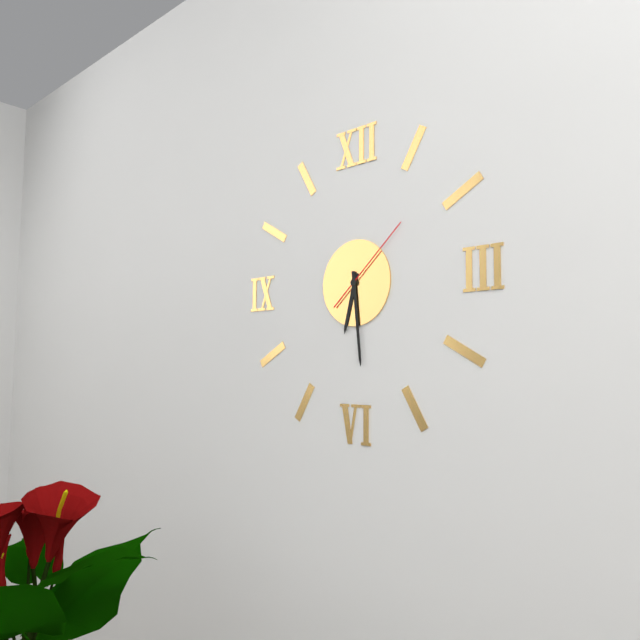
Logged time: 6:29:08
